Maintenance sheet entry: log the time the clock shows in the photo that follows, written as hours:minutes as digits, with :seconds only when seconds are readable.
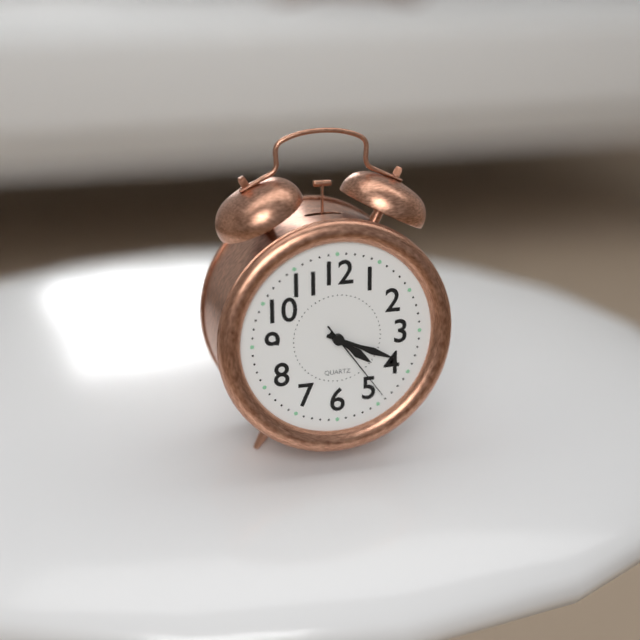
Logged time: 4:19:24
